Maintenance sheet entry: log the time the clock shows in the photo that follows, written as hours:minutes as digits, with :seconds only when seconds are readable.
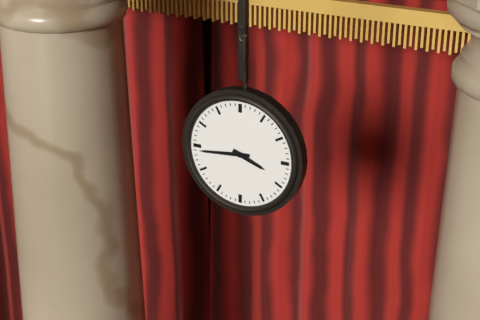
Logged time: 3:44
